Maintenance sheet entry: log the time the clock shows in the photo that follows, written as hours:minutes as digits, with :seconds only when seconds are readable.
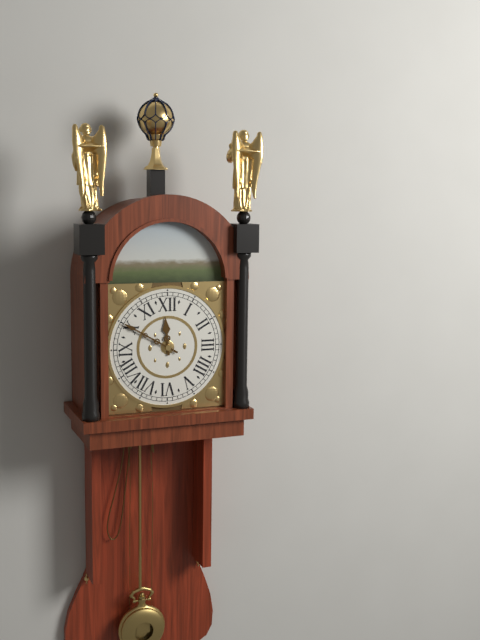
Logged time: 11:50
